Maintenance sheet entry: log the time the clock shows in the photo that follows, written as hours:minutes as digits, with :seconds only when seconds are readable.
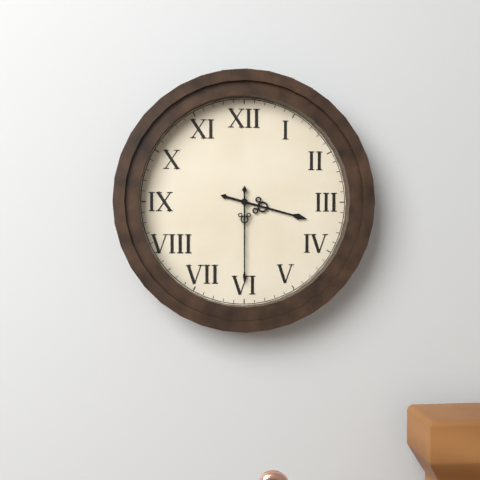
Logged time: 3:30
